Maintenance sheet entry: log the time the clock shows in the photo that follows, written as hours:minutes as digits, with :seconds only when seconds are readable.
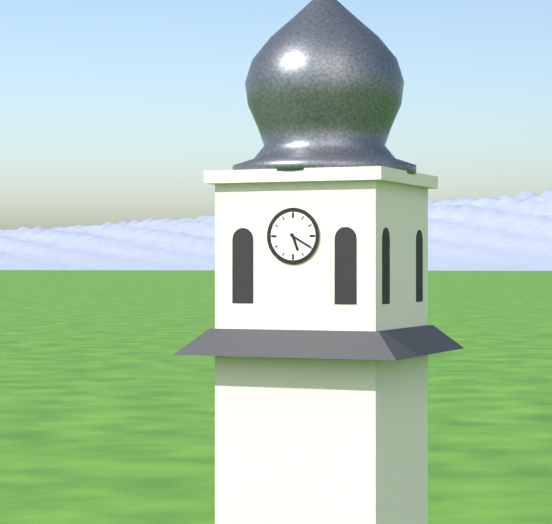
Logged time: 5:20
